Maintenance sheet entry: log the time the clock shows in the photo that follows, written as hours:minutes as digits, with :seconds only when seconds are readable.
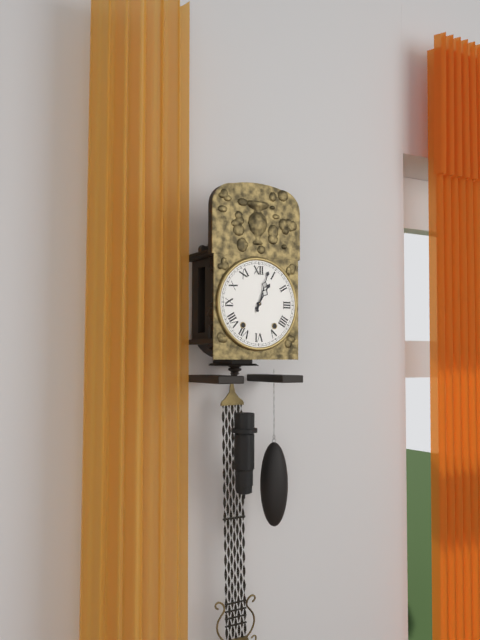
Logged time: 1:03
